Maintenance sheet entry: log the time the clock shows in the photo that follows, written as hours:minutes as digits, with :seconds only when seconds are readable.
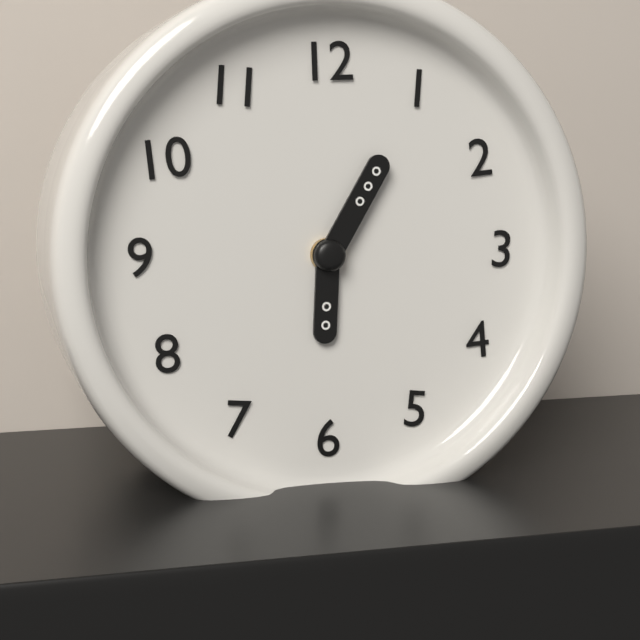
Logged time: 6:05
